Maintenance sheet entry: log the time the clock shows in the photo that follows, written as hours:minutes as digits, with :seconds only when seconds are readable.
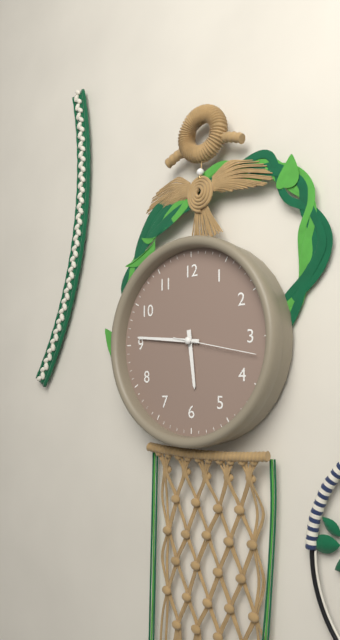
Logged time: 5:46:17
